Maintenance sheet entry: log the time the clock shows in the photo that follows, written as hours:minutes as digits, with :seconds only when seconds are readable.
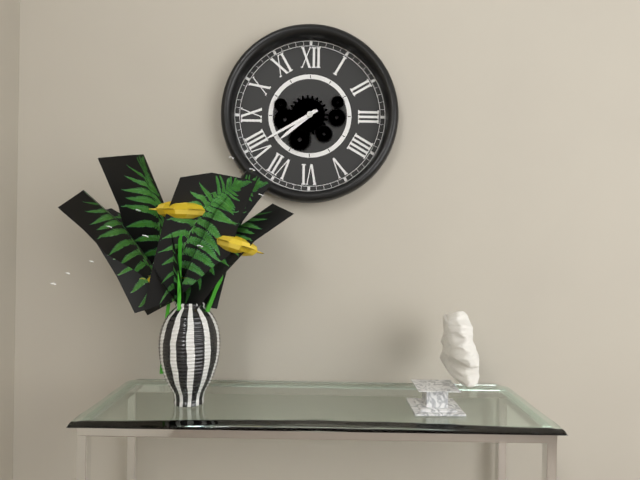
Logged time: 7:40
